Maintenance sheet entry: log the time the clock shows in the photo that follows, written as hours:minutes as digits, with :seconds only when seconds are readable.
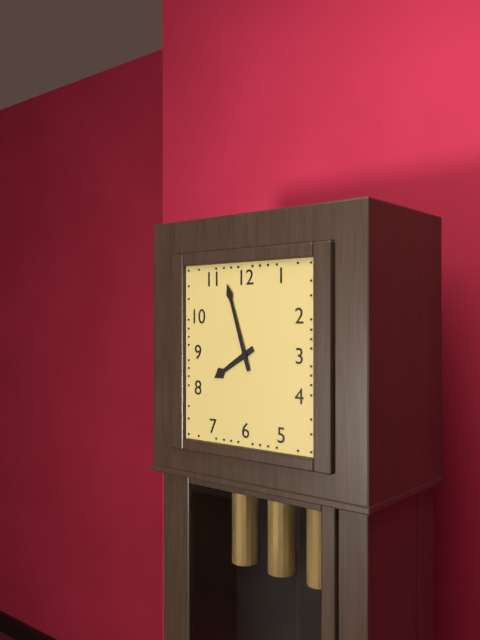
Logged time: 7:57
